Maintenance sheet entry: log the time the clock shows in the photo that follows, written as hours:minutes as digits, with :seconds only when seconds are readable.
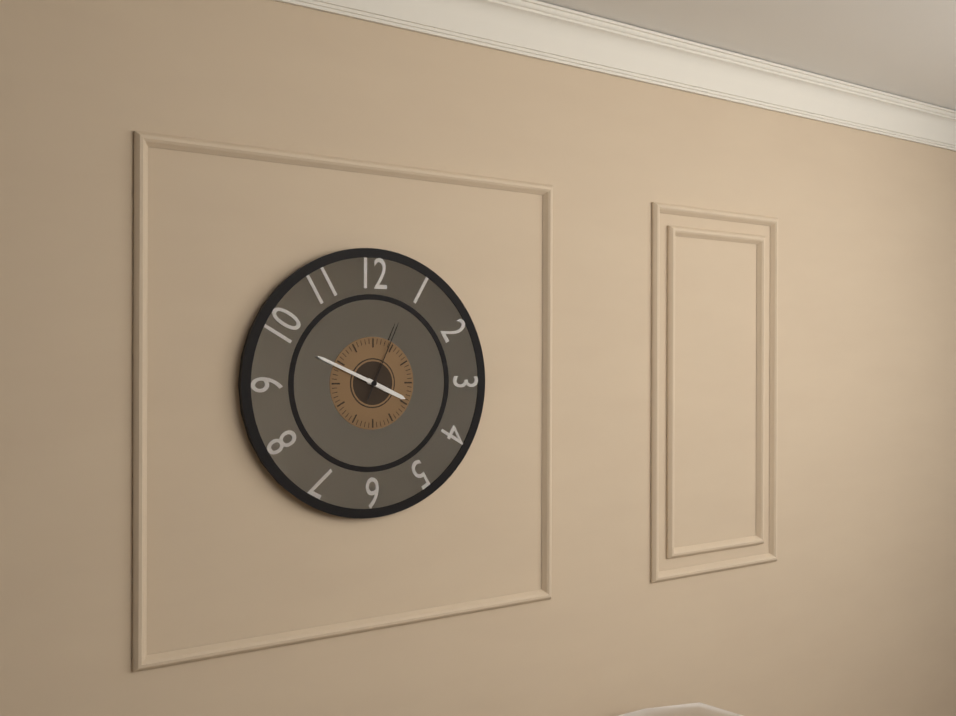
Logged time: 3:49:04
